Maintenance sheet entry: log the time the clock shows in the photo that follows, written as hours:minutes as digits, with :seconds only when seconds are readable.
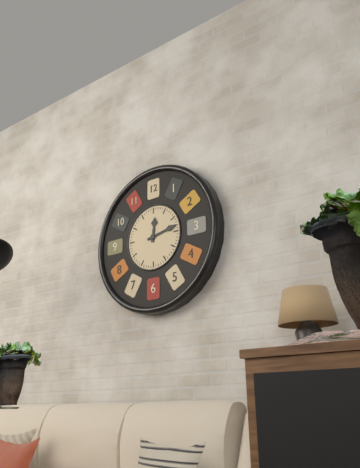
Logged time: 12:13
